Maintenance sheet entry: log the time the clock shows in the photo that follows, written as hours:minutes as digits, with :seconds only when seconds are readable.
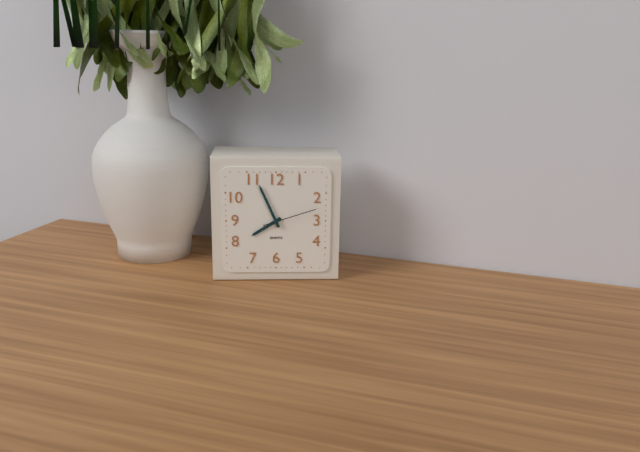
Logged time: 7:56:12
